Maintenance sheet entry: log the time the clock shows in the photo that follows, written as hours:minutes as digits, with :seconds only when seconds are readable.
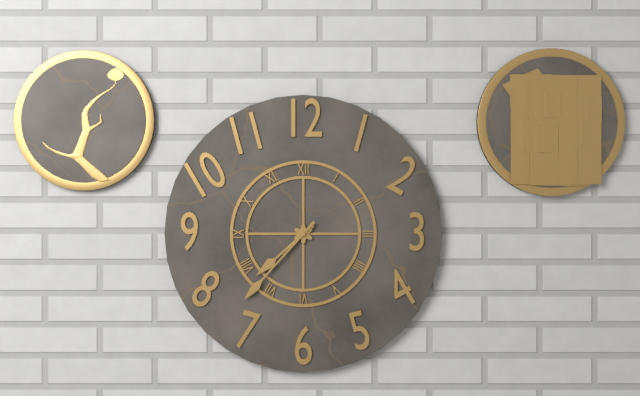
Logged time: 7:37
